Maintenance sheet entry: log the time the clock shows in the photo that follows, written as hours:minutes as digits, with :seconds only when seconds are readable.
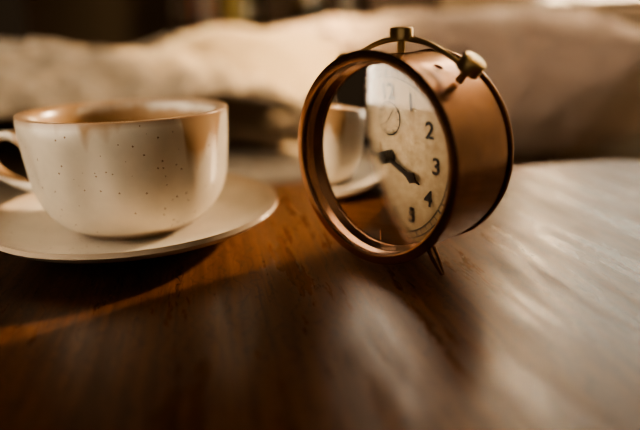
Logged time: 3:45:29
